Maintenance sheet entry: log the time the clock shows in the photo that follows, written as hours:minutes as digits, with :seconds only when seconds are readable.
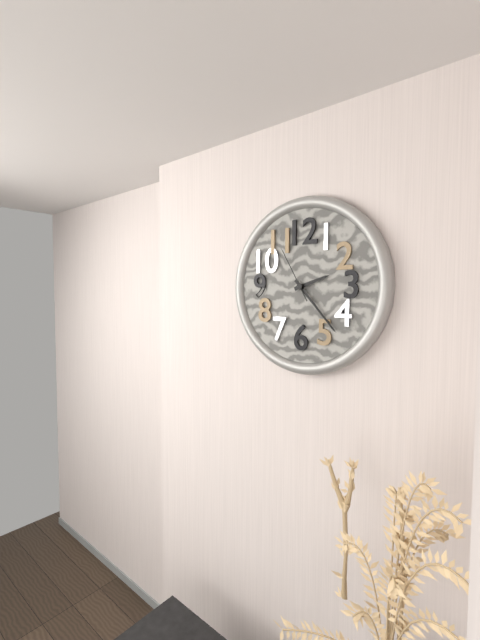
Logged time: 2:23:55
